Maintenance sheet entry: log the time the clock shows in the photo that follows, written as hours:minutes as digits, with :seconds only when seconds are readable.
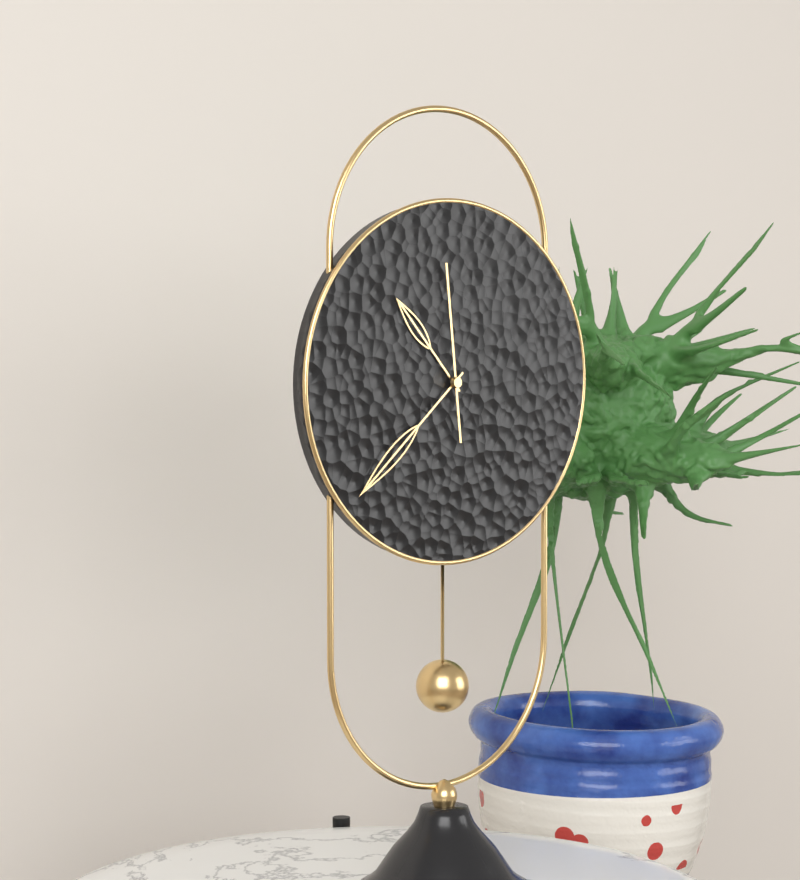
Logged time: 10:38:59
